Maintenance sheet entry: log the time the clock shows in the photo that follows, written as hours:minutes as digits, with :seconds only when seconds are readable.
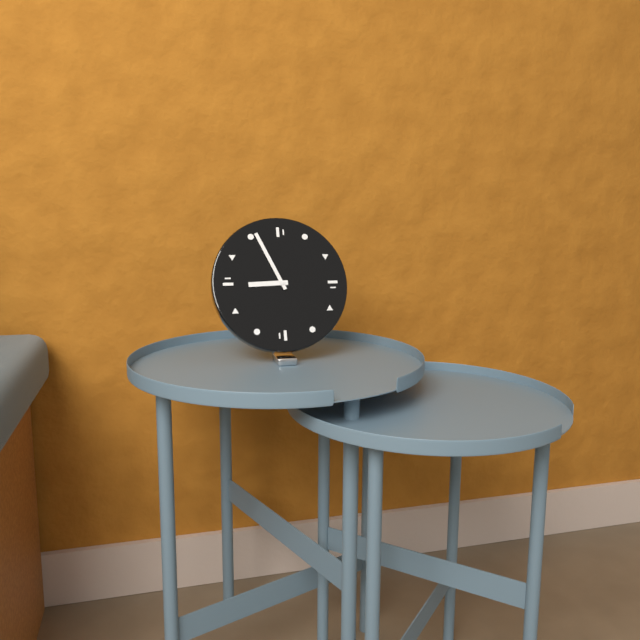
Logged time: 8:56
